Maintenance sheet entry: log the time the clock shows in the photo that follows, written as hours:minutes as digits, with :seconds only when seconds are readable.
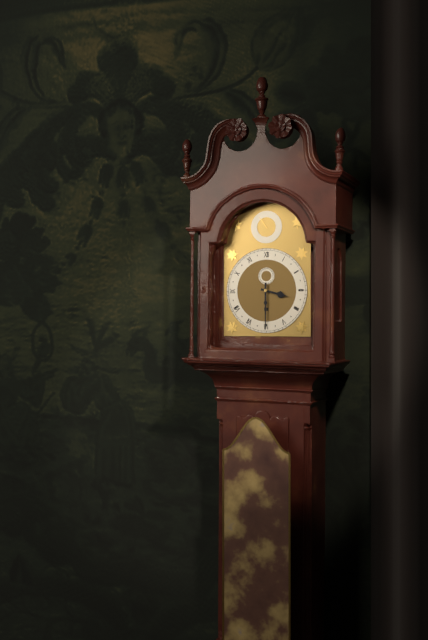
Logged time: 3:30
